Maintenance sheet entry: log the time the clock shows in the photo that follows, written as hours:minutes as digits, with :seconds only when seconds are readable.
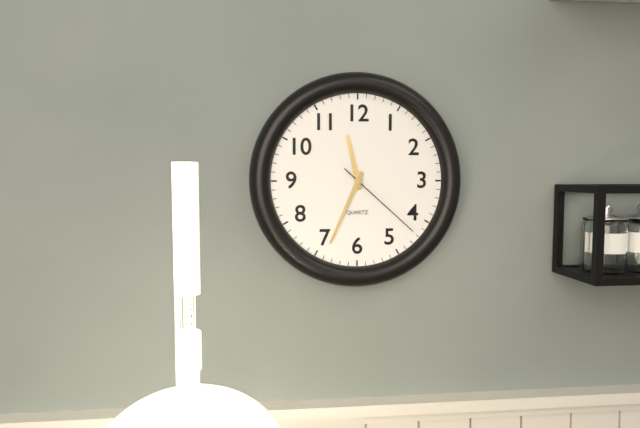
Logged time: 11:34:22
